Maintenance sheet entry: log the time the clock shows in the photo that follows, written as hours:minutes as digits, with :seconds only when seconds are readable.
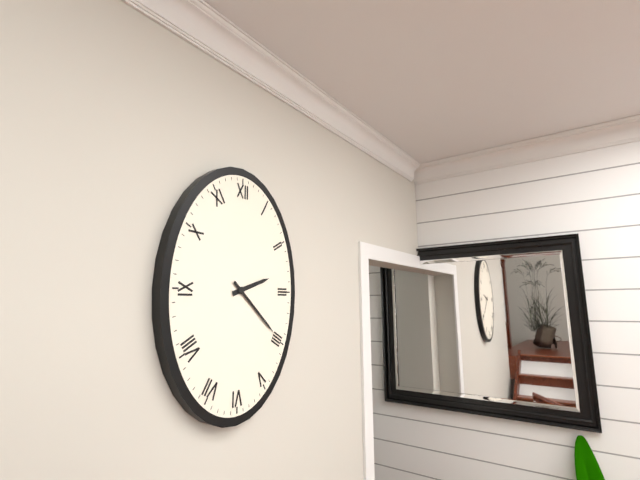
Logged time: 2:22
